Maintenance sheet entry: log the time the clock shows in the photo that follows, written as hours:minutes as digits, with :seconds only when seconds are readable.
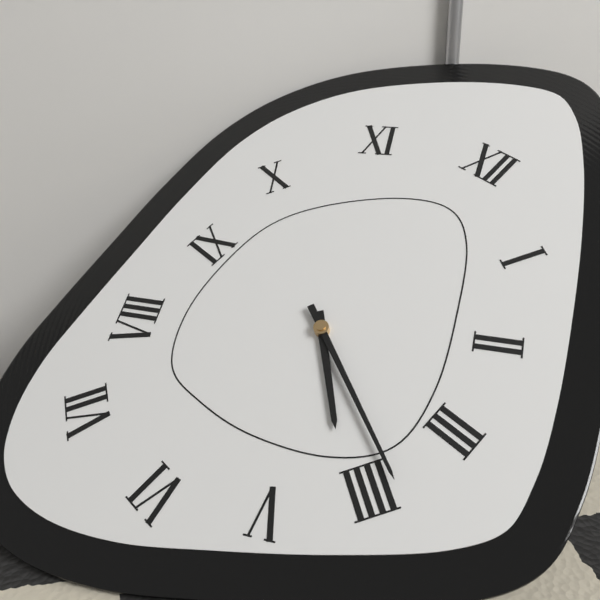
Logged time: 4:19
